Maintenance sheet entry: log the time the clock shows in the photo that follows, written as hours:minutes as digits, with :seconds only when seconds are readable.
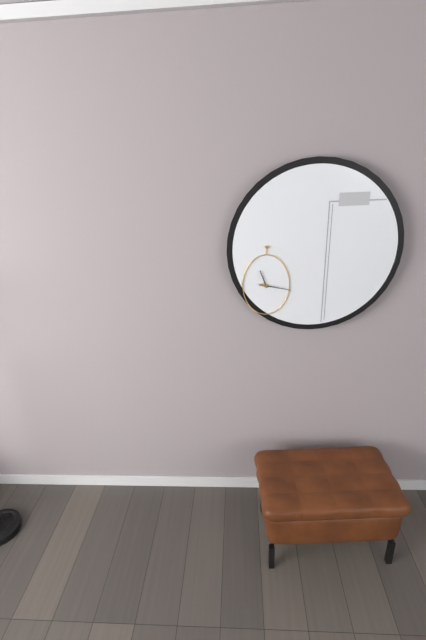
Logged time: 11:17
